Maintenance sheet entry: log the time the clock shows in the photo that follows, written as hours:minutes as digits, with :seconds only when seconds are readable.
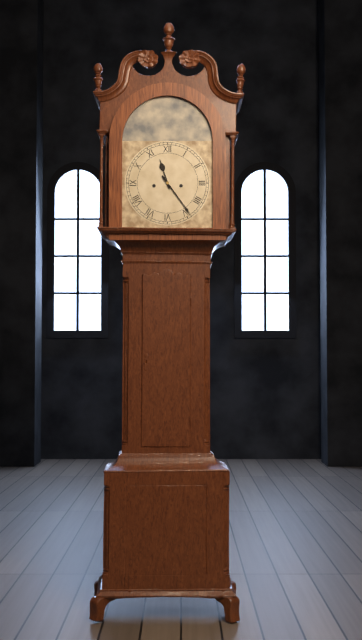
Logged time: 11:24
